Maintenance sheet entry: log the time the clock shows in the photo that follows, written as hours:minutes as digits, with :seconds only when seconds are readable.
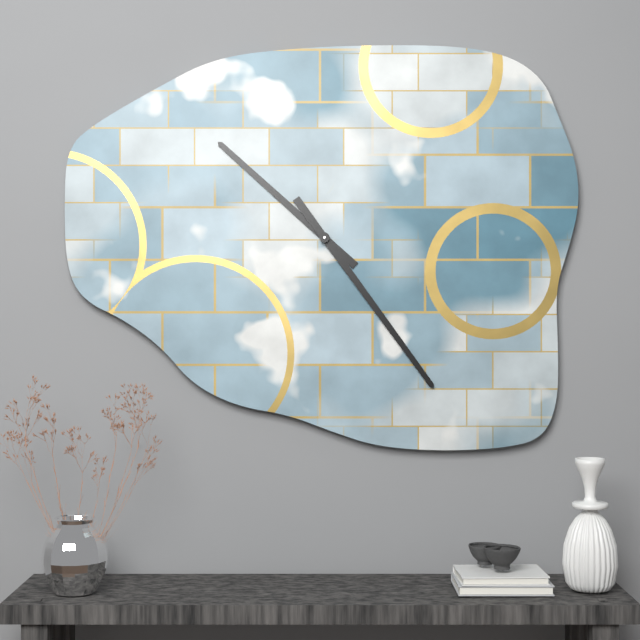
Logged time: 10:24
